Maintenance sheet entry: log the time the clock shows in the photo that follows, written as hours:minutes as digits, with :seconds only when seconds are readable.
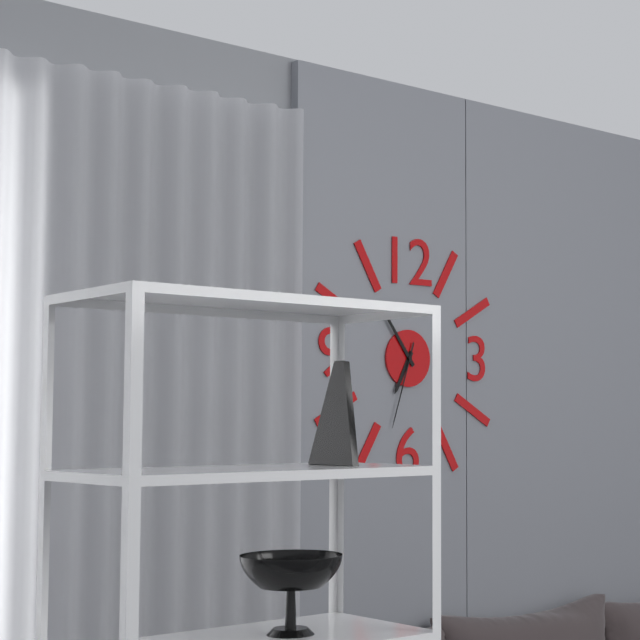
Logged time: 6:54:33
